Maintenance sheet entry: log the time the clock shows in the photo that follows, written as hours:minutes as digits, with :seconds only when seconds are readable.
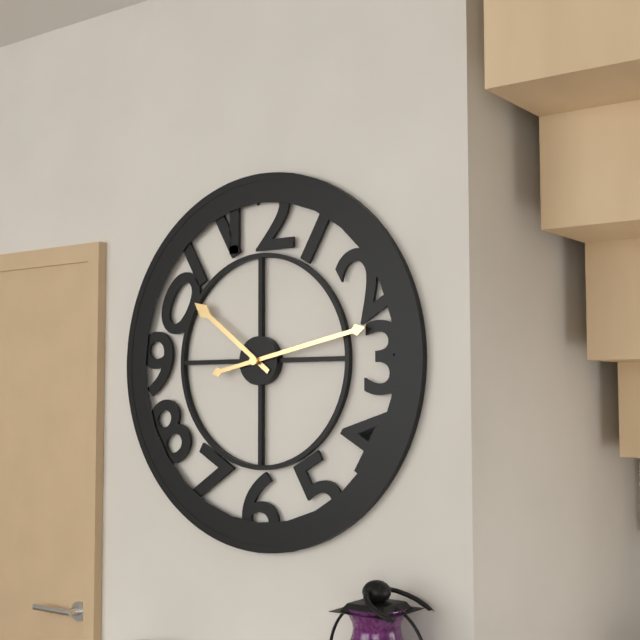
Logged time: 10:13
